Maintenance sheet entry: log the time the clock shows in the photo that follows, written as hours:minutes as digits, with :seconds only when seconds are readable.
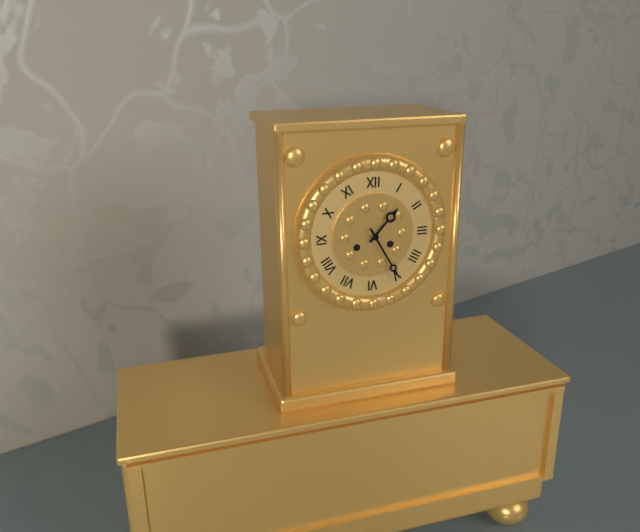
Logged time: 1:25
